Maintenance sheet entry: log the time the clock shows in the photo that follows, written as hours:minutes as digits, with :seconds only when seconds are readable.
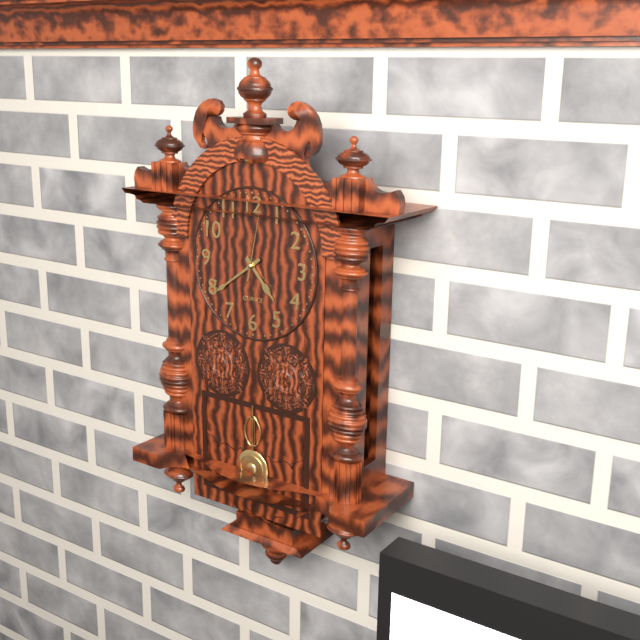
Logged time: 4:39:02
